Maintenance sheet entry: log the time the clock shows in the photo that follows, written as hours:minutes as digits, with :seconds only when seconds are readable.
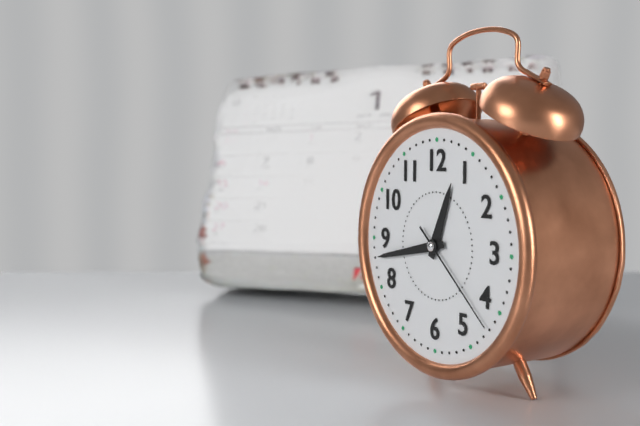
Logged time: 12:43:22
